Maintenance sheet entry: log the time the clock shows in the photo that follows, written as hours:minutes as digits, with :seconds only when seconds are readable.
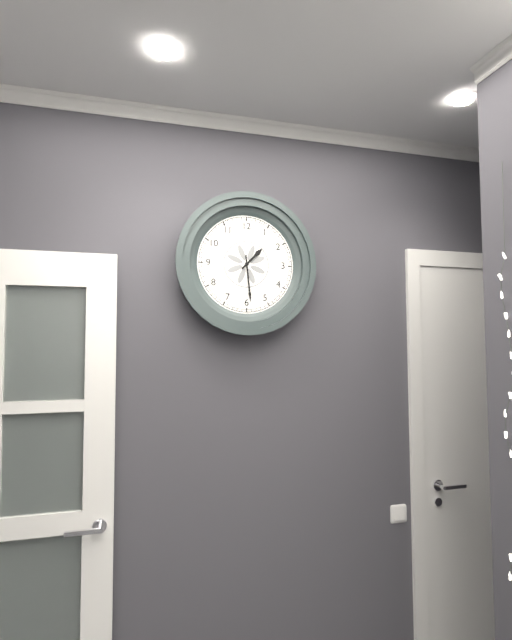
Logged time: 1:29
